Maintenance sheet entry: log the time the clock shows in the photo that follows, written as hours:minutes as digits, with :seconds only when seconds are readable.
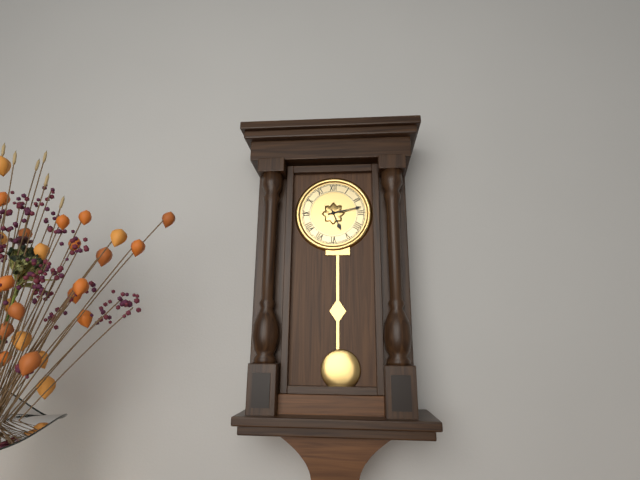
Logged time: 5:13
